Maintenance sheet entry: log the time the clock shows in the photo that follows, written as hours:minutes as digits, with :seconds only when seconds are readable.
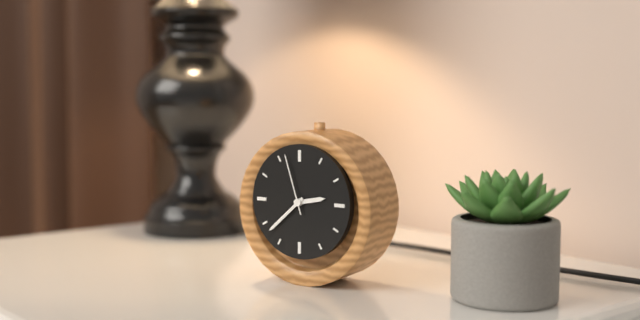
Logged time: 2:38:57
